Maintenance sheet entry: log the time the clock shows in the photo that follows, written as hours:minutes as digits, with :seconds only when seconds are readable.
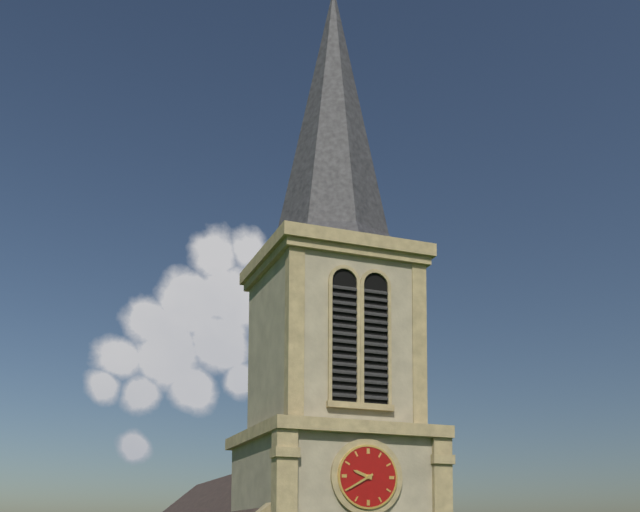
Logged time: 9:40
